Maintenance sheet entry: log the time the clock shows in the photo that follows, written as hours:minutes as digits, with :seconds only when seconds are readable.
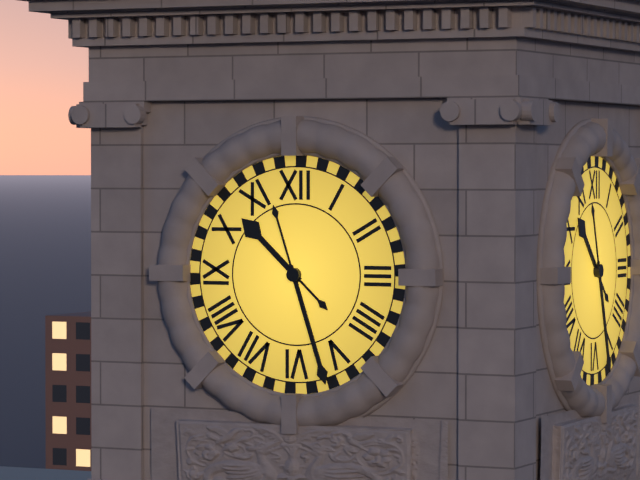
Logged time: 10:27
